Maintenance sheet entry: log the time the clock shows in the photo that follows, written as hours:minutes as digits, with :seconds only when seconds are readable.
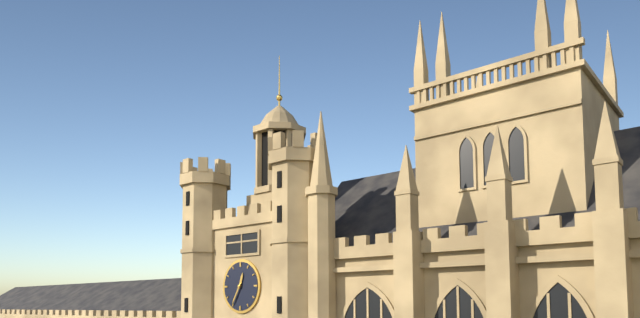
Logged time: 12:35
